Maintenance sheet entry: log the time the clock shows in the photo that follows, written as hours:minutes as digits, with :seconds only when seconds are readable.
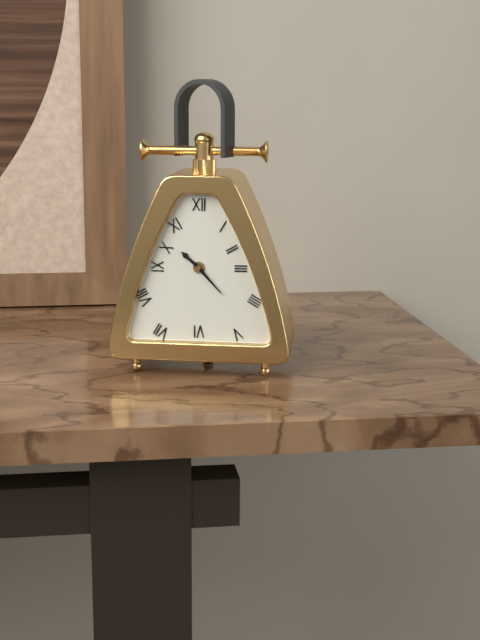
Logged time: 10:23
